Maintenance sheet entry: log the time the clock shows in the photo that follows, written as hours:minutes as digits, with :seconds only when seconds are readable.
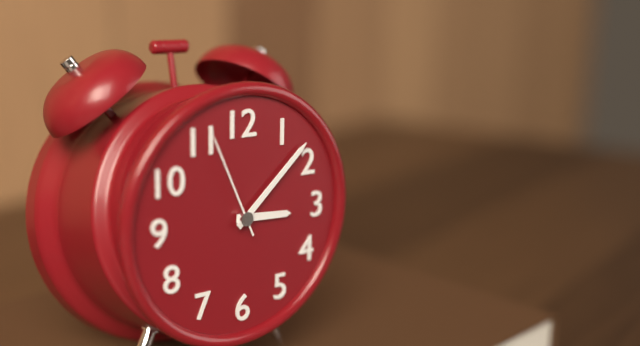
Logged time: 3:08:56
